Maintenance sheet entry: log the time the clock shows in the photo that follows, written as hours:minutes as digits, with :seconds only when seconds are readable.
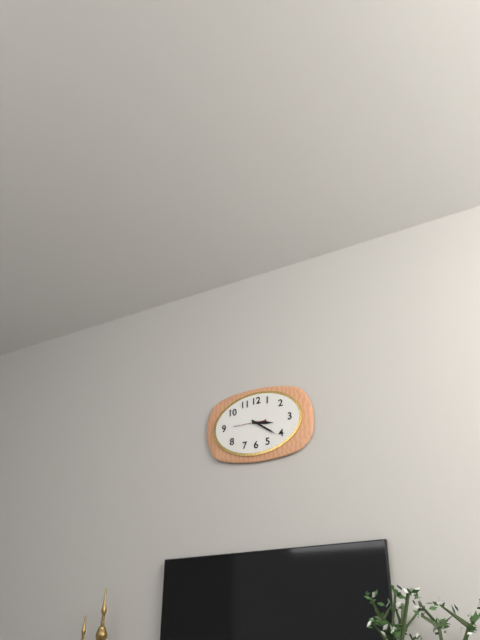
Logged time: 3:21
